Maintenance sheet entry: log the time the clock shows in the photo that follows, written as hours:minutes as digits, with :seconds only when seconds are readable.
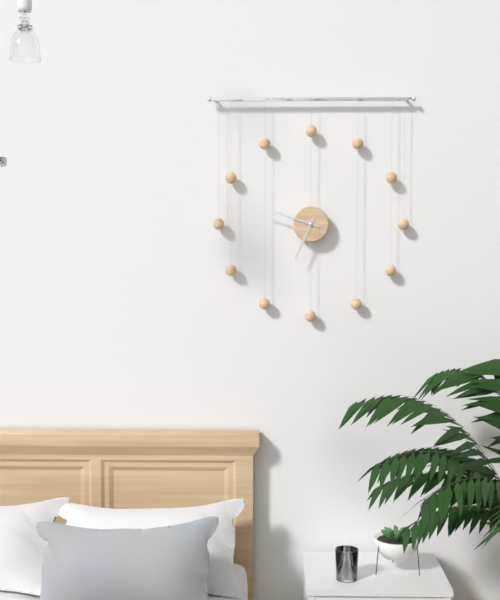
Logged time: 6:48
